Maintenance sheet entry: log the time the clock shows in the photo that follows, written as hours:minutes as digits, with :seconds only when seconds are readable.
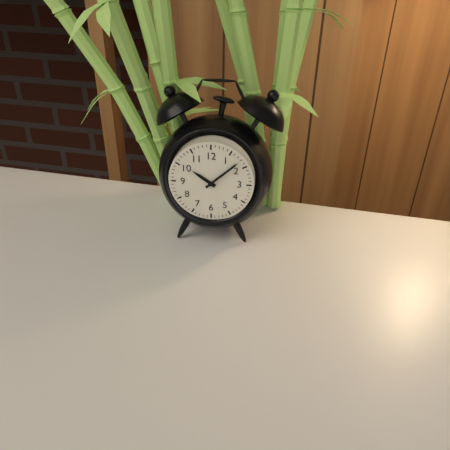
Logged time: 10:08
